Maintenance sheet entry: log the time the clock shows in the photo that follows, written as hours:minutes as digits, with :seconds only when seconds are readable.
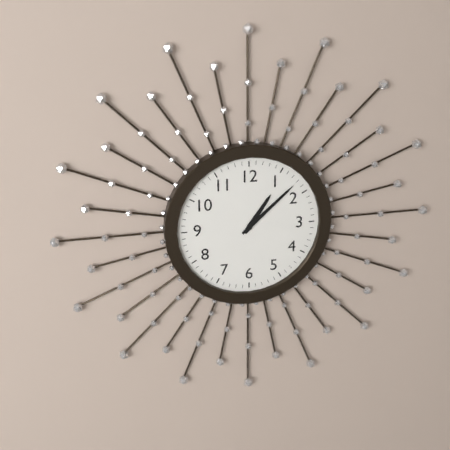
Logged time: 1:08
